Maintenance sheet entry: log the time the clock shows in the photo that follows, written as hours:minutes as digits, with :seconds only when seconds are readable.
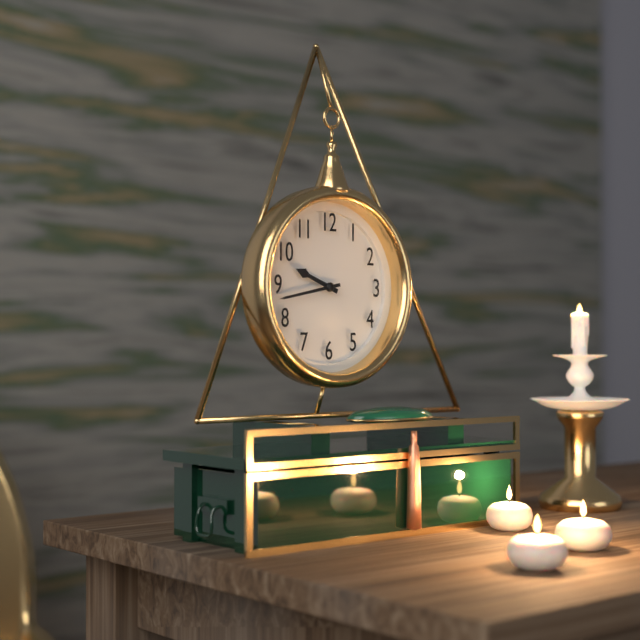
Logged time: 9:43
